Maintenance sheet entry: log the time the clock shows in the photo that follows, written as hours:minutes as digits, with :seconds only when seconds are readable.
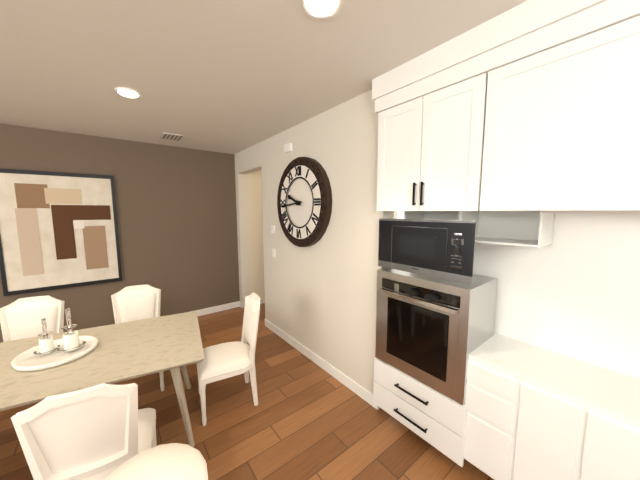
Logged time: 9:44
